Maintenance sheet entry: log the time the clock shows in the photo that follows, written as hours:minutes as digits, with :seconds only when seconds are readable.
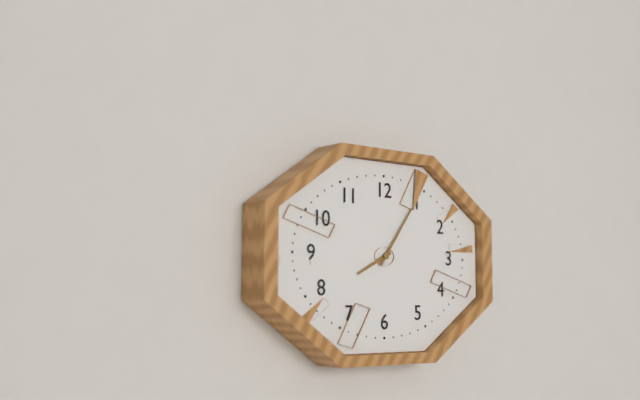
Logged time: 8:06
